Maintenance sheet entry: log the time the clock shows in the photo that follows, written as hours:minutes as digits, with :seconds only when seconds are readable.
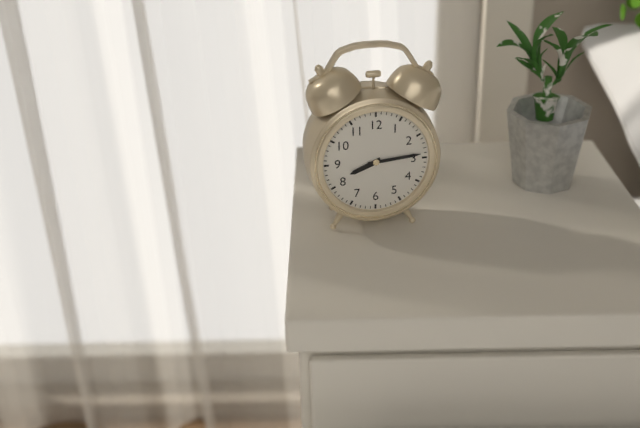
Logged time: 8:14
